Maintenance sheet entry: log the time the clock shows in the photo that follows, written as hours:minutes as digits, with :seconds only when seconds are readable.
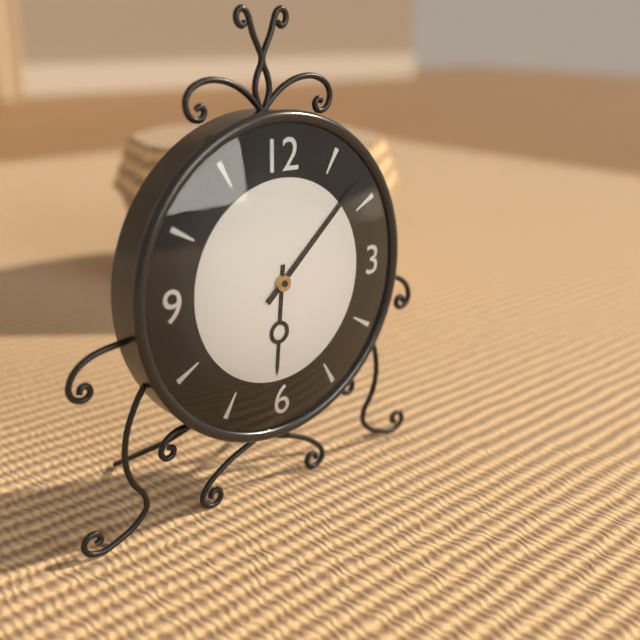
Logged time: 6:08
